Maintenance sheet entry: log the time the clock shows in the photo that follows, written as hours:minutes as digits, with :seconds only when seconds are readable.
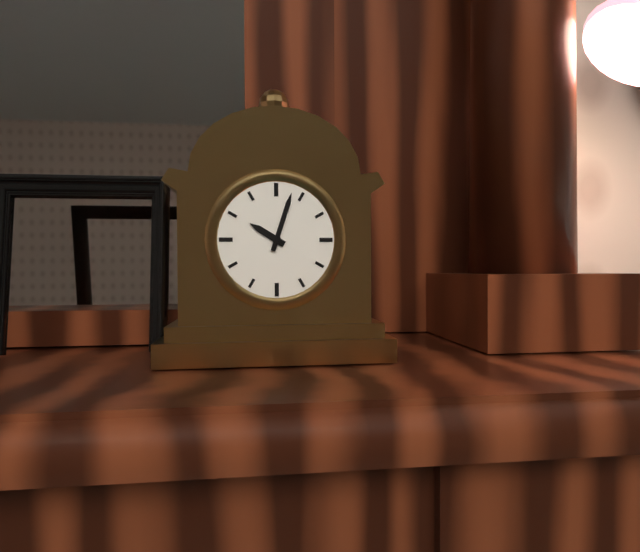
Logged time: 10:03
